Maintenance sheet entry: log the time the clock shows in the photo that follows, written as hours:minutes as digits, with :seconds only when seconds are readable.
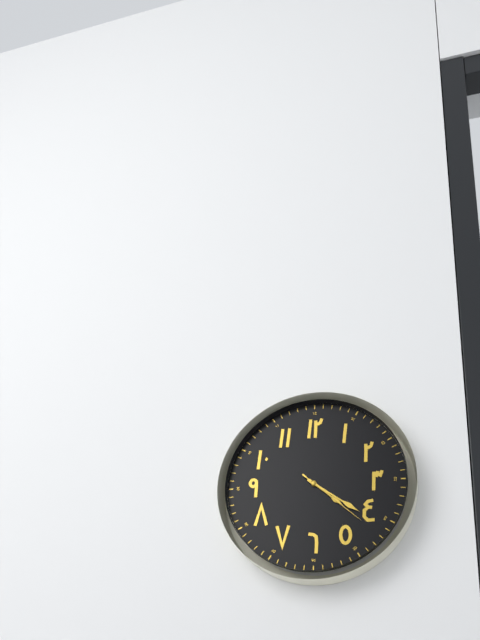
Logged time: 4:21:22
